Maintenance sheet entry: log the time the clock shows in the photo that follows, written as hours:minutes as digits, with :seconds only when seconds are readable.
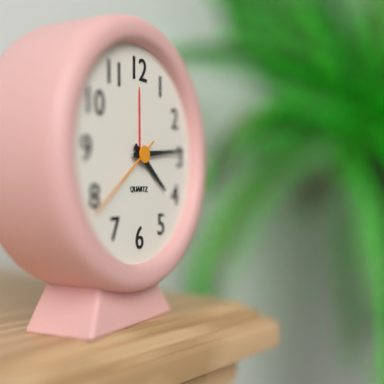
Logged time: 4:14:39
